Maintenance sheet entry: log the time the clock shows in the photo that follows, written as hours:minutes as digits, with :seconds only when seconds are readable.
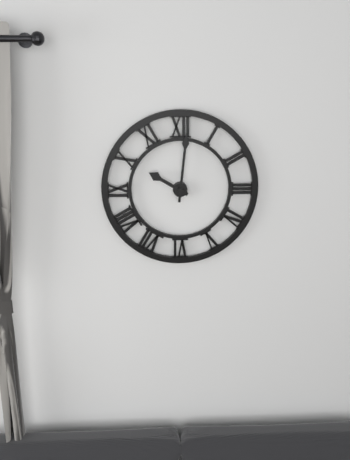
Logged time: 10:01
